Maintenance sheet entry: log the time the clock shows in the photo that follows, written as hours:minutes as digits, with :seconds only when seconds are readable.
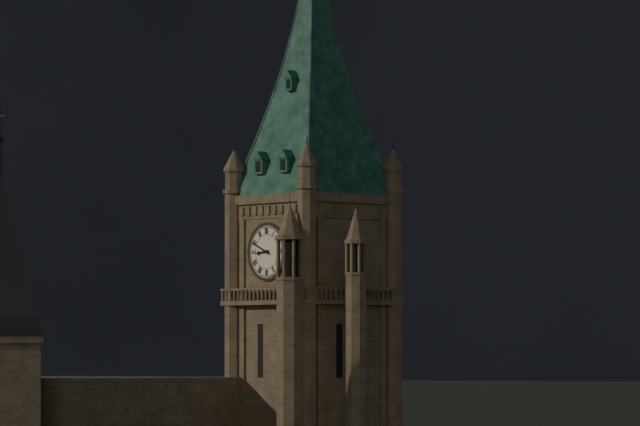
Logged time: 8:49
